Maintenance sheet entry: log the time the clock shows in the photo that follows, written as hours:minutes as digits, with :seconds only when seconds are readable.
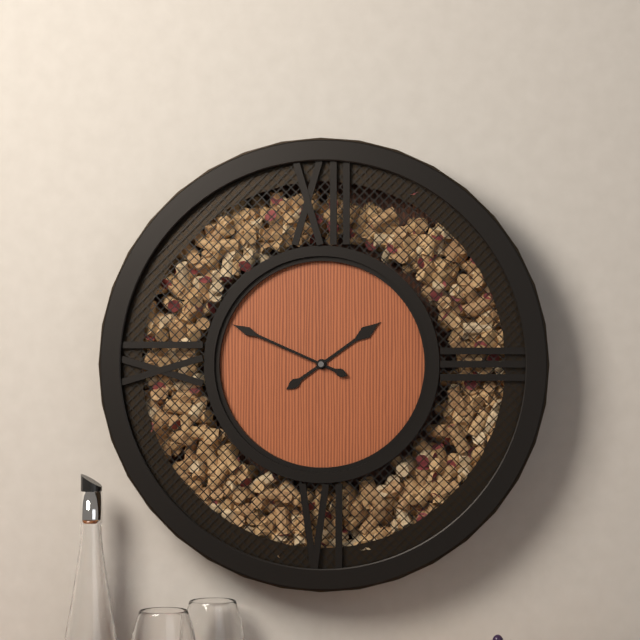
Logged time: 1:49
